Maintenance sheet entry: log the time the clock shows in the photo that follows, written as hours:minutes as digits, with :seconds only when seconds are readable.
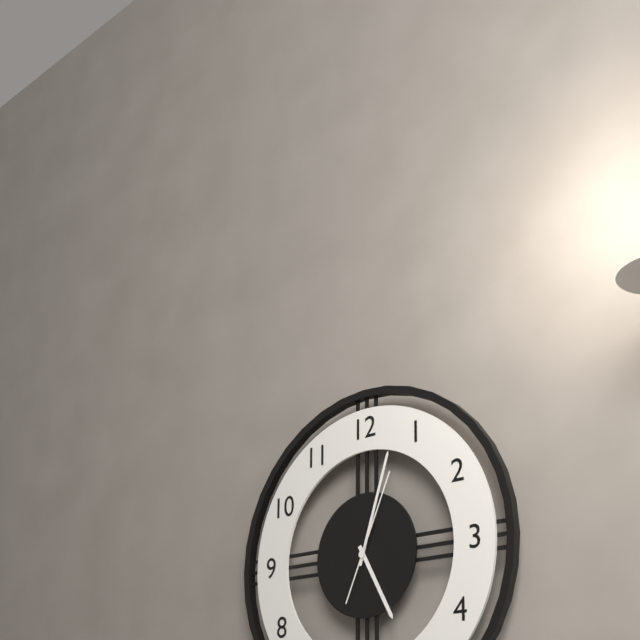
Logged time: 5:03:04
